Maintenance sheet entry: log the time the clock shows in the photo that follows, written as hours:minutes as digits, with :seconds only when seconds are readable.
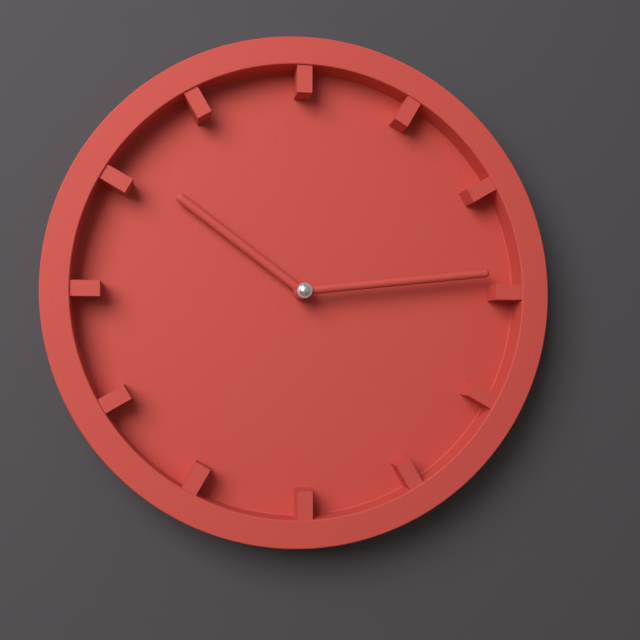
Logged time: 10:14
